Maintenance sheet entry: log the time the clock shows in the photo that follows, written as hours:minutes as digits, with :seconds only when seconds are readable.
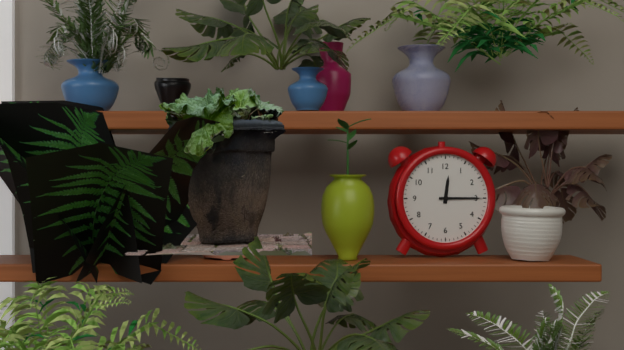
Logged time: 12:15
